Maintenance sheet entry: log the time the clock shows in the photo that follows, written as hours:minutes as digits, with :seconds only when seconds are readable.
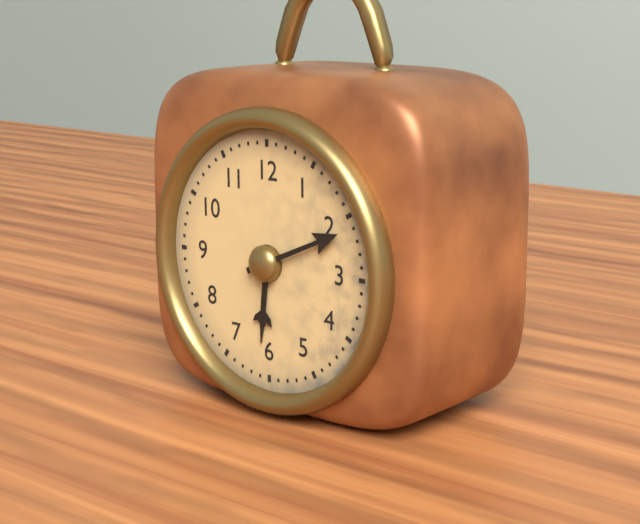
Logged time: 6:11
